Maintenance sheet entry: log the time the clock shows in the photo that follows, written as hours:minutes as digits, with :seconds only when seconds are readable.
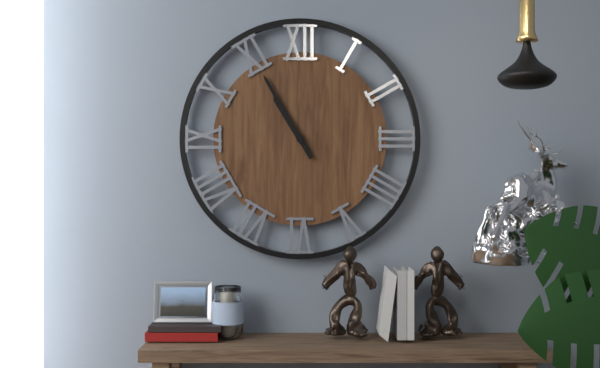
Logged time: 10:55
